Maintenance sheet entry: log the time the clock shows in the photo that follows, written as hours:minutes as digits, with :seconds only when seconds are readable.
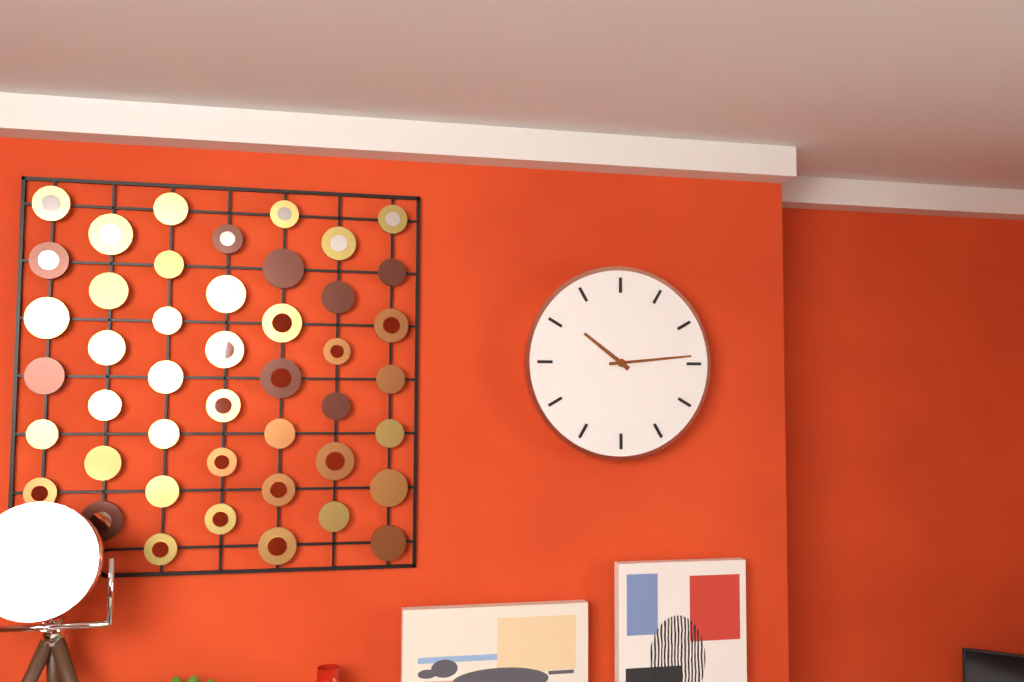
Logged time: 10:14
